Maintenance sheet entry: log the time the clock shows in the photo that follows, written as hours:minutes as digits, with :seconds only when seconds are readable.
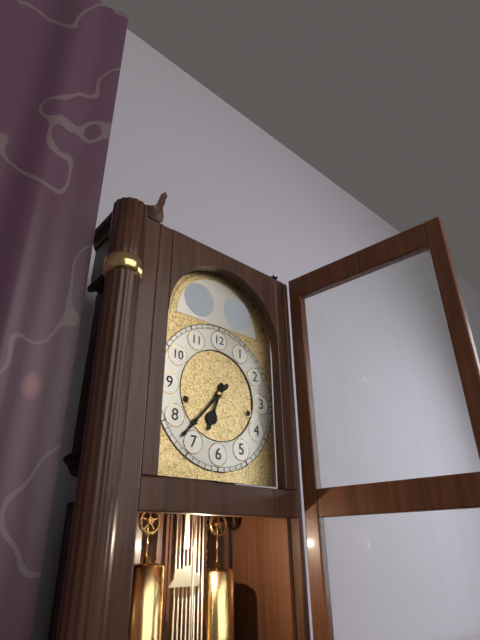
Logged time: 6:37
